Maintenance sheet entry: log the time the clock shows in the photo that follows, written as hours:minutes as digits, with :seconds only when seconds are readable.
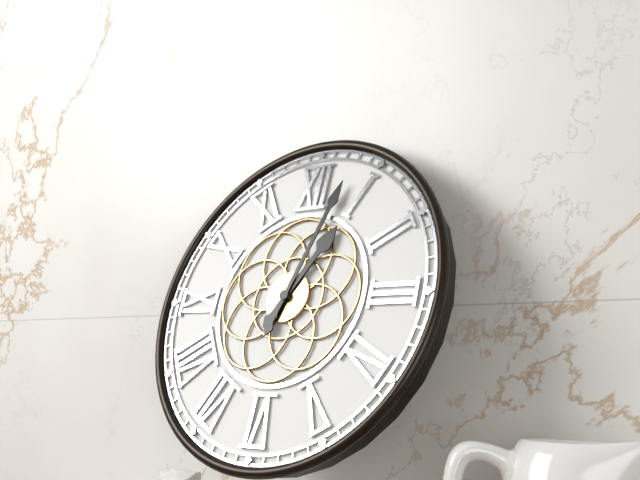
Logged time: 1:03
